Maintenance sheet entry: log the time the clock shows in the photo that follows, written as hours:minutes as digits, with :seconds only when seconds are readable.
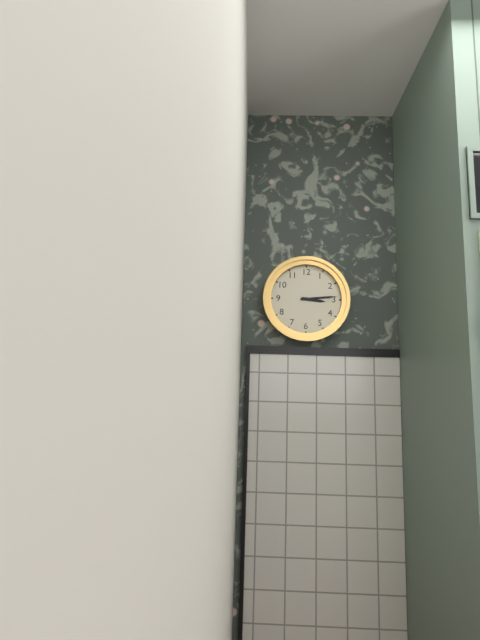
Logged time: 3:14
